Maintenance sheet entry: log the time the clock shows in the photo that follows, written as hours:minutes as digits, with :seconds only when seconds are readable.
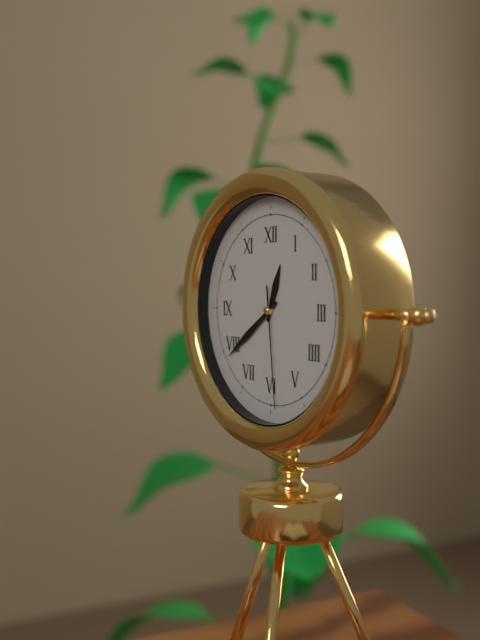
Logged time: 12:39:29
